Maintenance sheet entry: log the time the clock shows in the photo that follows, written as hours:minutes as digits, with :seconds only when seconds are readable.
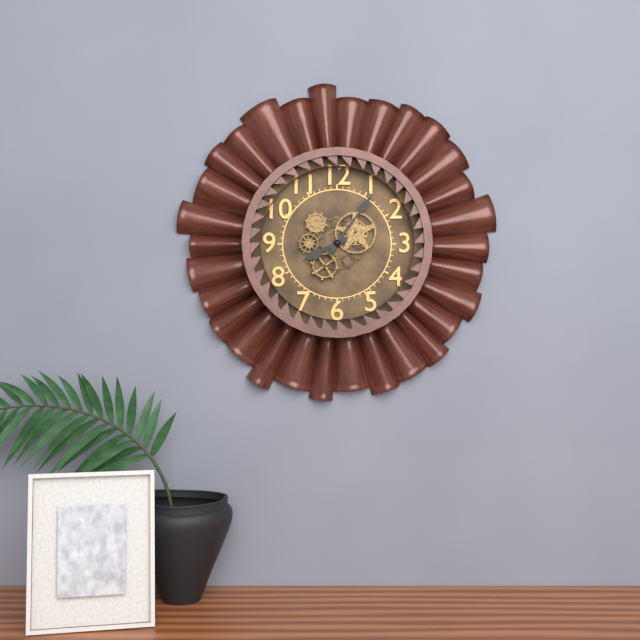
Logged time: 8:06
